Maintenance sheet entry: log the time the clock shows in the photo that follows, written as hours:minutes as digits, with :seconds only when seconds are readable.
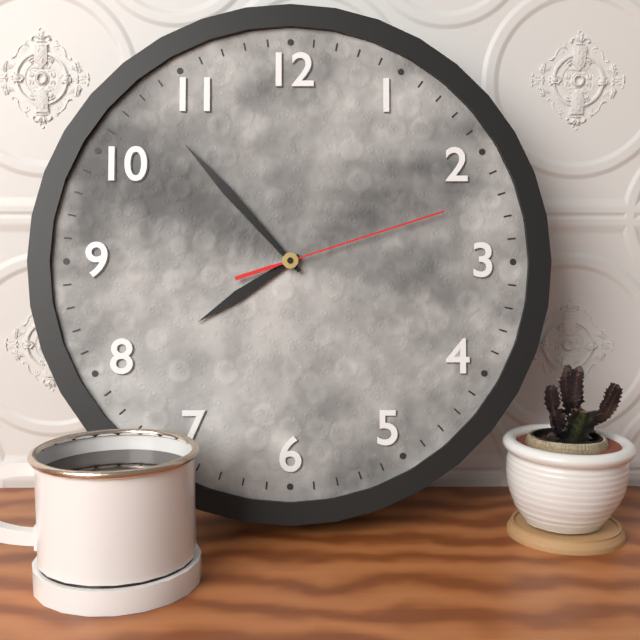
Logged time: 7:53:12
